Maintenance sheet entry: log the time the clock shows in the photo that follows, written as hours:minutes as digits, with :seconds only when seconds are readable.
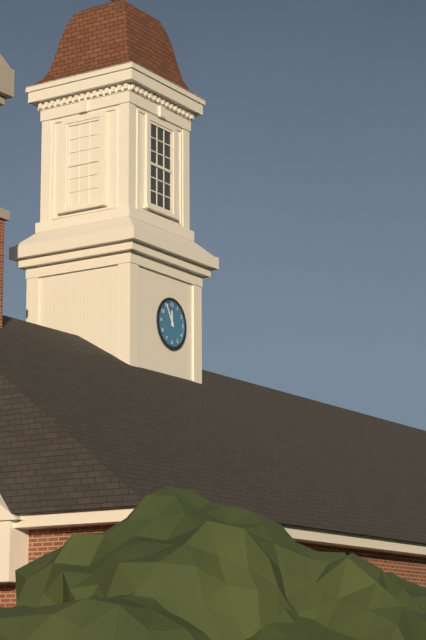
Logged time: 11:55
